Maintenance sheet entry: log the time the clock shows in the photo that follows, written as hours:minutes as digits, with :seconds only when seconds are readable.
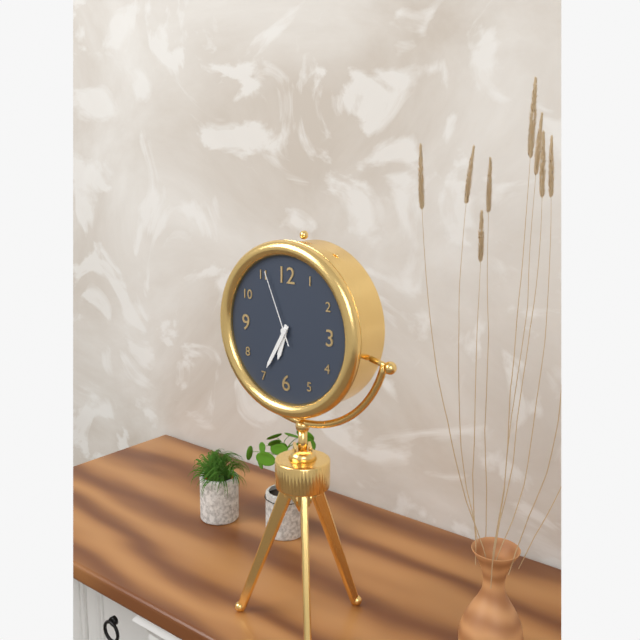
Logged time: 6:35:56
